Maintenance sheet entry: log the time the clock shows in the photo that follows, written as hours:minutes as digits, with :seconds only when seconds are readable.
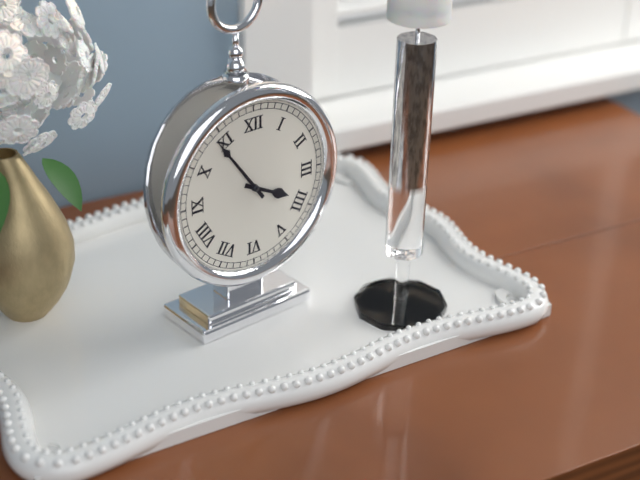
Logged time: 3:54
